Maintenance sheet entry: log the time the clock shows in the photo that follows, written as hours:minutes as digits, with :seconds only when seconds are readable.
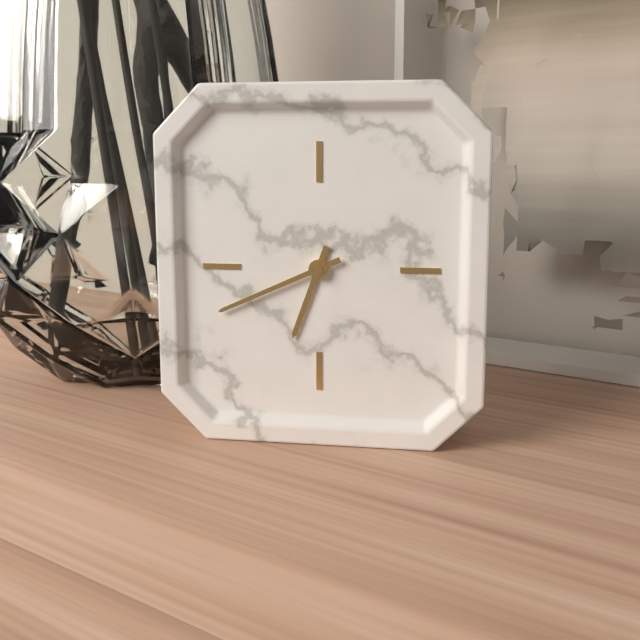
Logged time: 6:41
